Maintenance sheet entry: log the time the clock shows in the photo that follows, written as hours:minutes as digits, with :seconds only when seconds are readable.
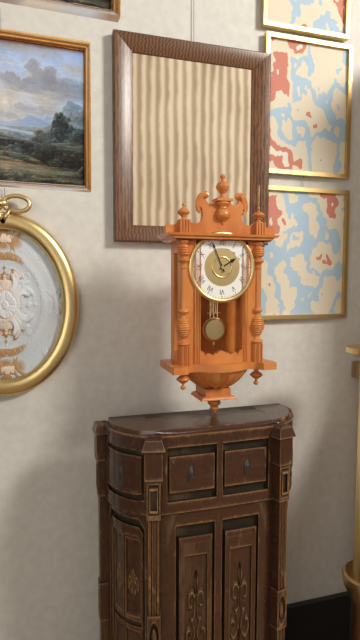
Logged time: 1:56
